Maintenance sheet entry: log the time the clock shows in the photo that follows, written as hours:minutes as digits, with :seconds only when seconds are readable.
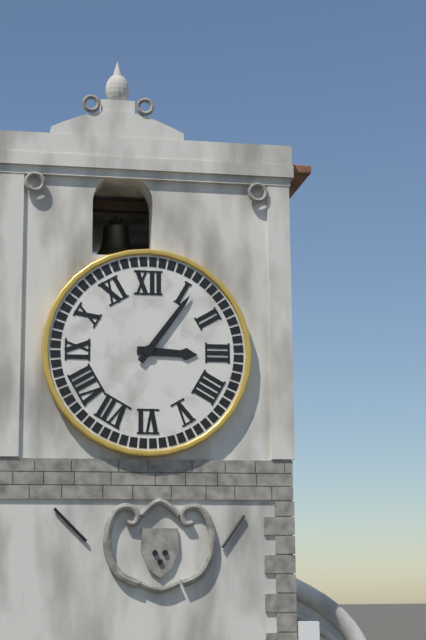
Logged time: 3:06
